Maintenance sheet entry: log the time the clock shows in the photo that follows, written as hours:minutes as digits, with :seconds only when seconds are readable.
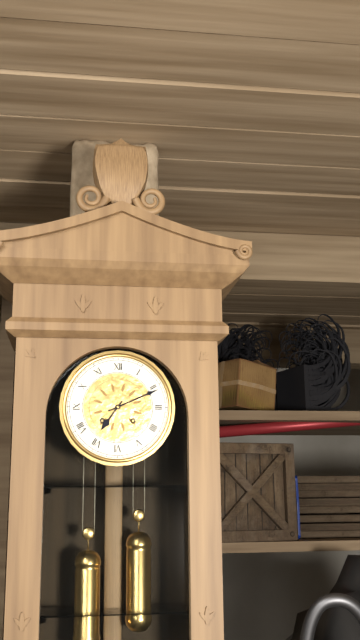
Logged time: 7:11
